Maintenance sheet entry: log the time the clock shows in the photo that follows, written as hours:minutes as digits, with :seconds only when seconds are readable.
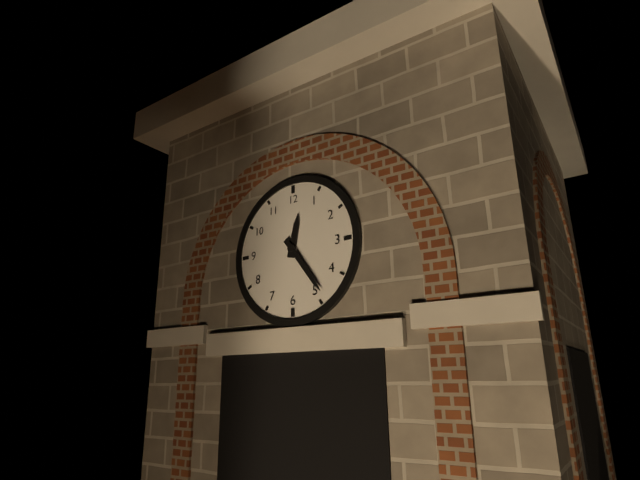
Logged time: 12:24
